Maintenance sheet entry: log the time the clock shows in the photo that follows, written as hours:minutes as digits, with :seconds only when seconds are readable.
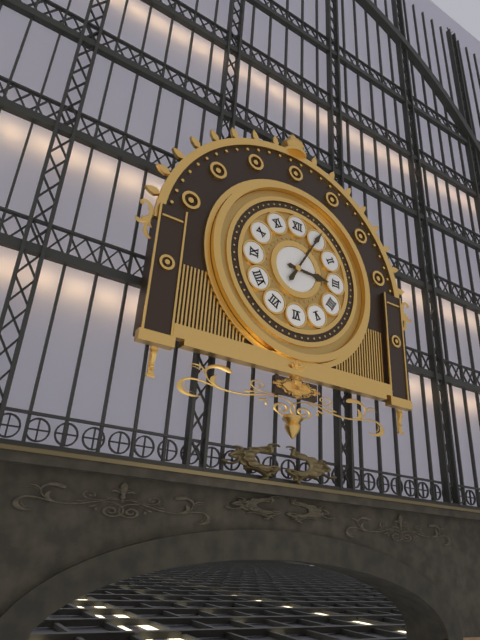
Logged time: 3:05
